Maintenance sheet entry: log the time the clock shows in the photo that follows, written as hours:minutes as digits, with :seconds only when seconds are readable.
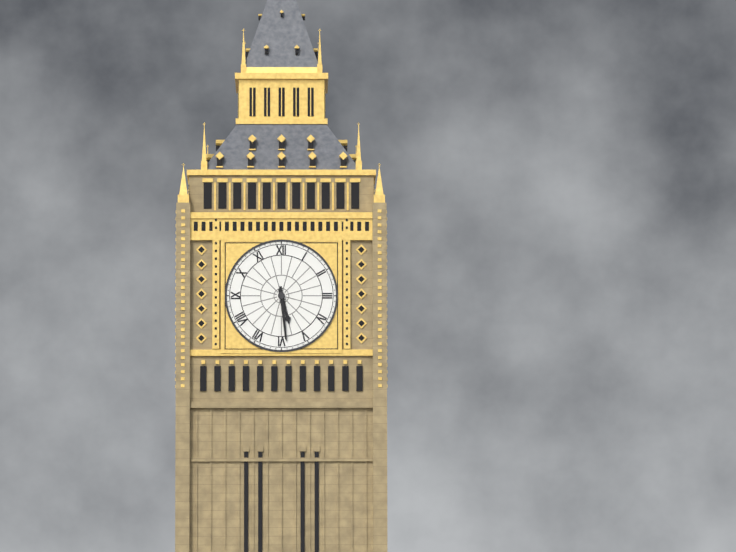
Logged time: 5:29
